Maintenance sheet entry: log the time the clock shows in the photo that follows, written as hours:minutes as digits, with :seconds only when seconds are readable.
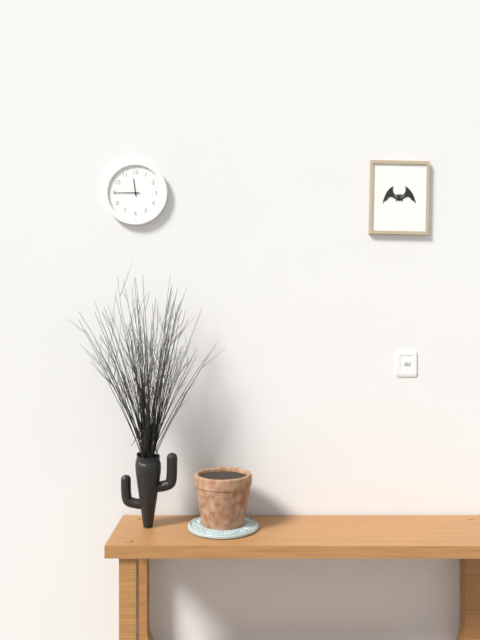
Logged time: 11:45
